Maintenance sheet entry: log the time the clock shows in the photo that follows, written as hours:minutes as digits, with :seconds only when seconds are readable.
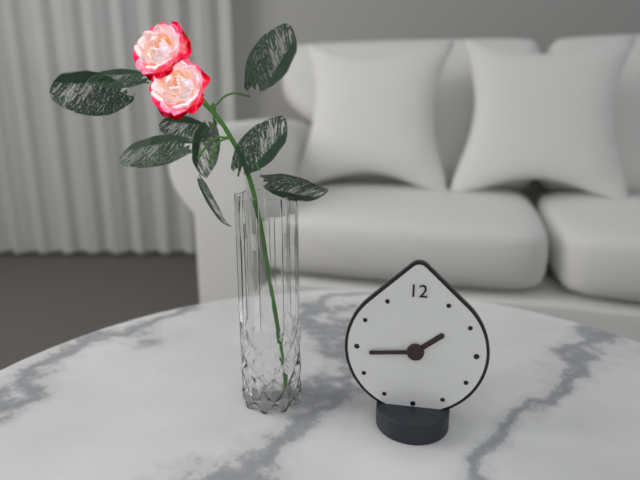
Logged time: 1:44
